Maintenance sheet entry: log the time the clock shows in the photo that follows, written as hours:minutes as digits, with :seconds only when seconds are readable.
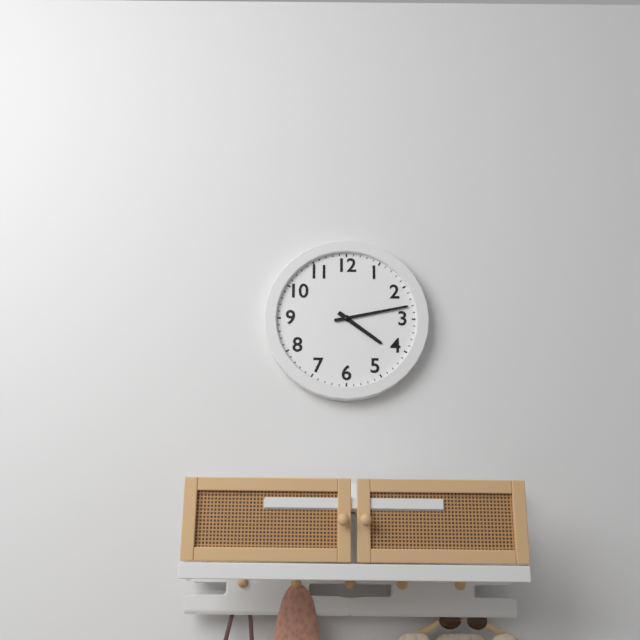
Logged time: 4:13
